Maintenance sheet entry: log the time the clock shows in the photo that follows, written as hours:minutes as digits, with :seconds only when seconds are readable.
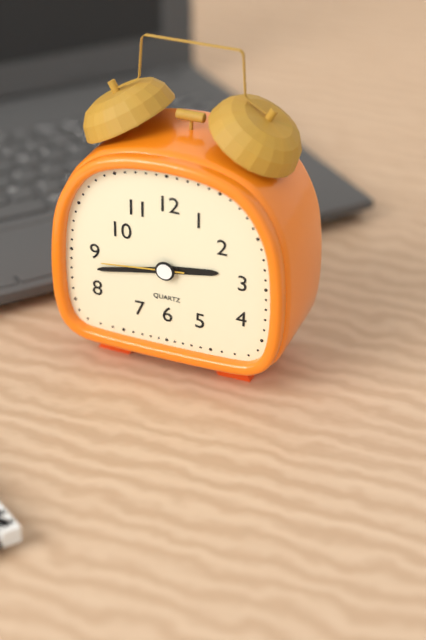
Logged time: 2:43:44
